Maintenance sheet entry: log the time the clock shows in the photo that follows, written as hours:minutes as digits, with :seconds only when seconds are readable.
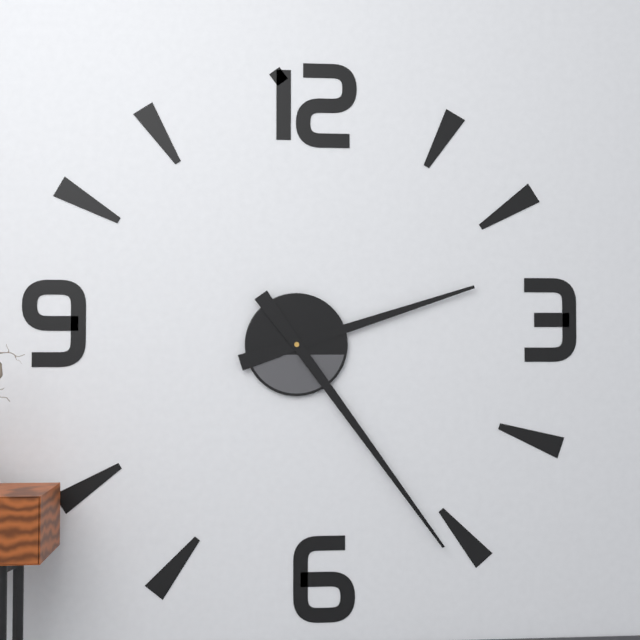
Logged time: 2:24
